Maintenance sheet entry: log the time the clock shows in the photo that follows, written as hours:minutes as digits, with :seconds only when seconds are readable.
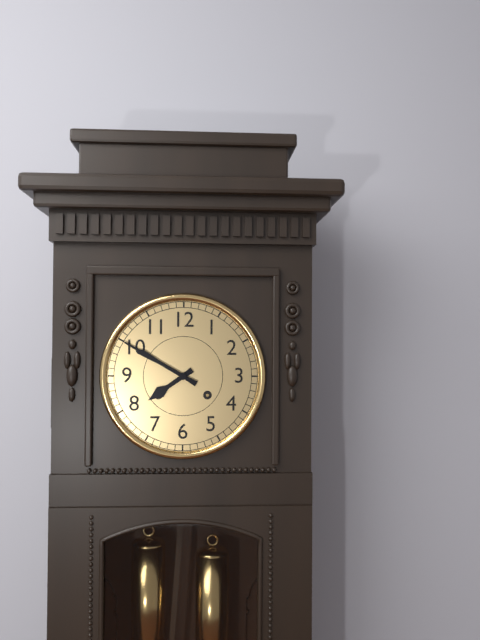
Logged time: 7:50
